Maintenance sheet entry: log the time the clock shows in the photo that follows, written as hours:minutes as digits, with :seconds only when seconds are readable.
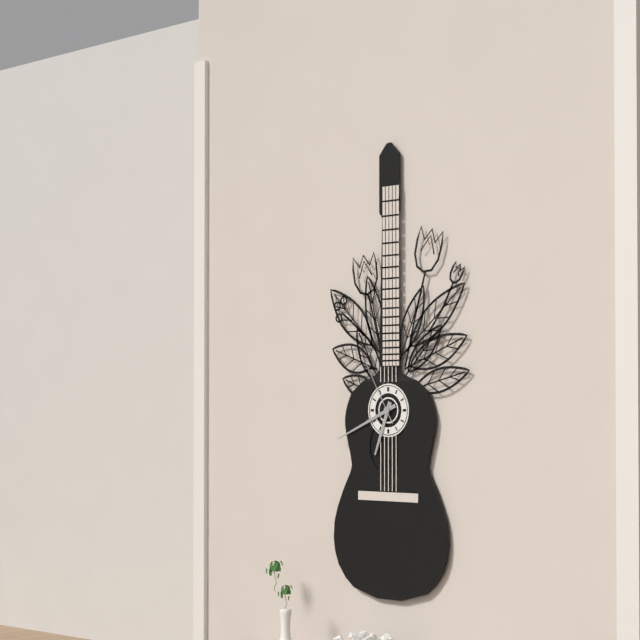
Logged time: 6:41:55
